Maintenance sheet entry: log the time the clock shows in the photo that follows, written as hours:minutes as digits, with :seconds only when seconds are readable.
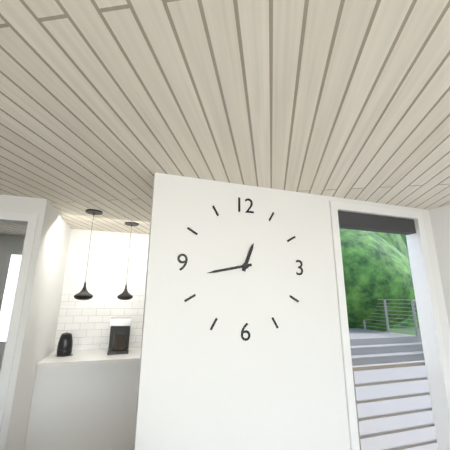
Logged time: 12:43
